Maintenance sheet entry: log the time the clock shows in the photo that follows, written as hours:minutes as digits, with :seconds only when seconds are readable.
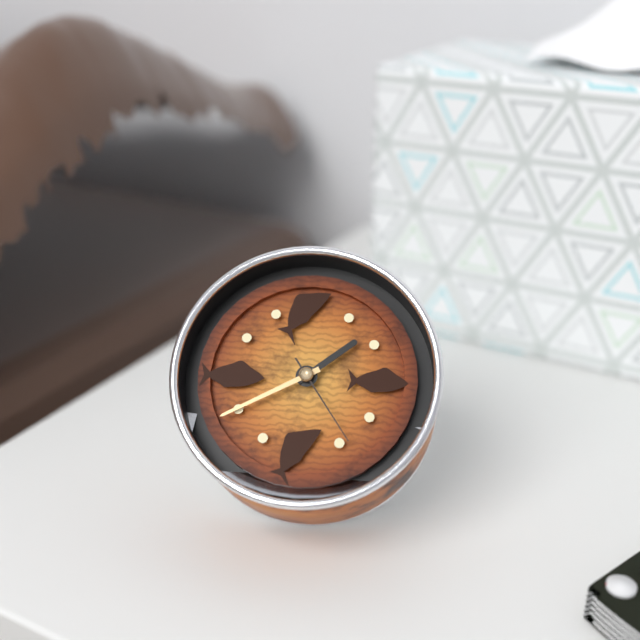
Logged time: 1:40:24
